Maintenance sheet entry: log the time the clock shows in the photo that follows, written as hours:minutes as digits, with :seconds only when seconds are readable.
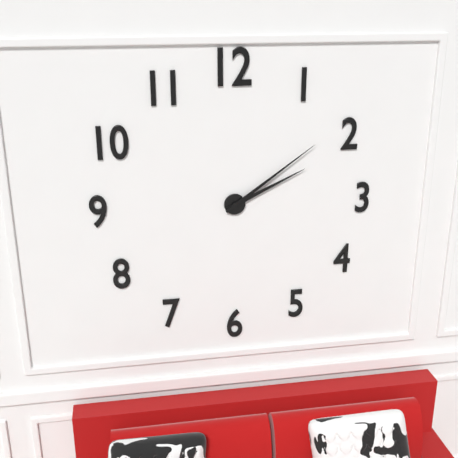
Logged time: 2:09
